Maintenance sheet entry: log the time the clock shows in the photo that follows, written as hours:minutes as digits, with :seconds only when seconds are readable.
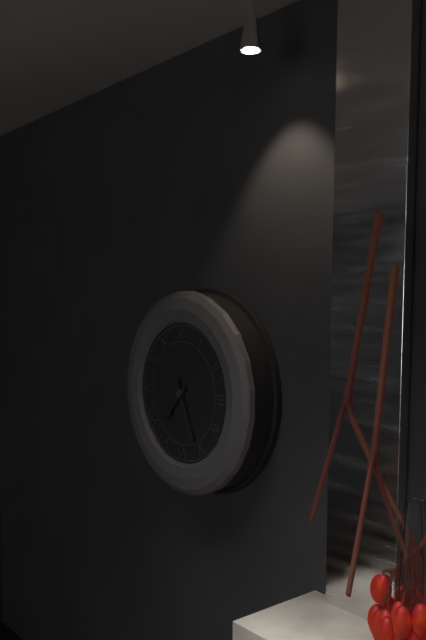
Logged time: 7:26
